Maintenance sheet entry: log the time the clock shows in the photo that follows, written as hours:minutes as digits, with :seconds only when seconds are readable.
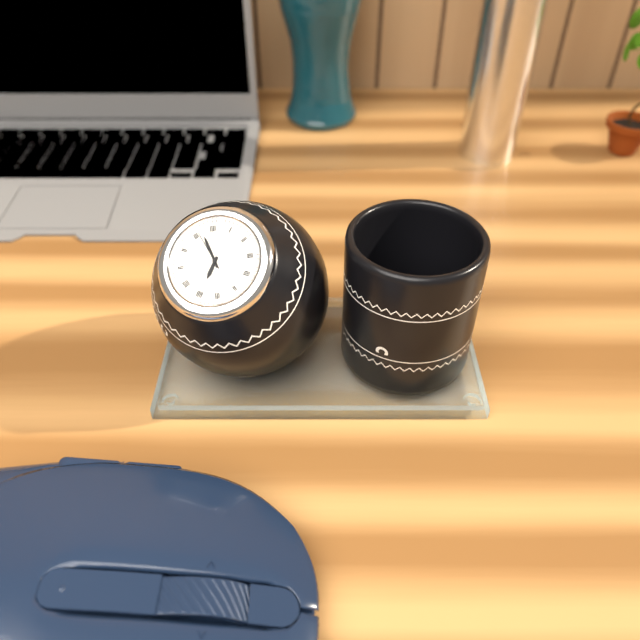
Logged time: 6:57
